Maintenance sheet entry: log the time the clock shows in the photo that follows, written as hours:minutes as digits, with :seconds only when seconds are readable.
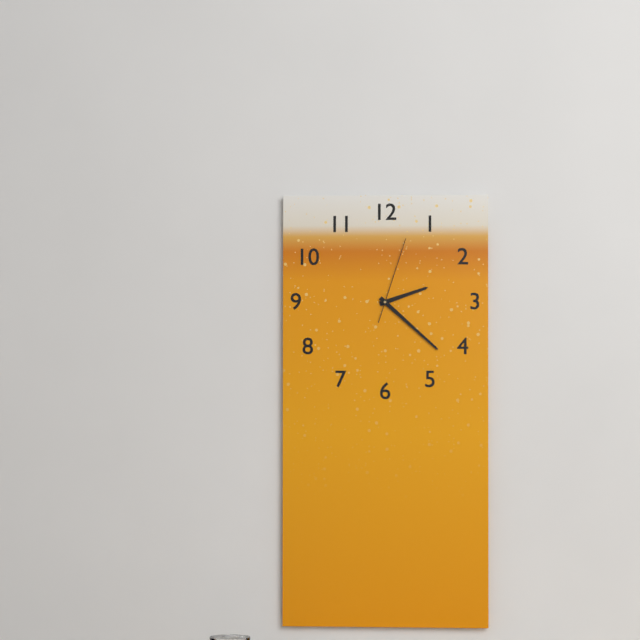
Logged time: 2:22:03
